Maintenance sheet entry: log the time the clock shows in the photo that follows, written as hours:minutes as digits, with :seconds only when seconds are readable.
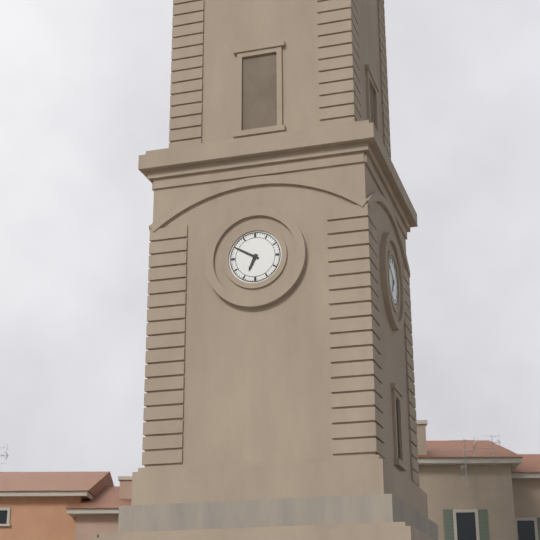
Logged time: 6:50
